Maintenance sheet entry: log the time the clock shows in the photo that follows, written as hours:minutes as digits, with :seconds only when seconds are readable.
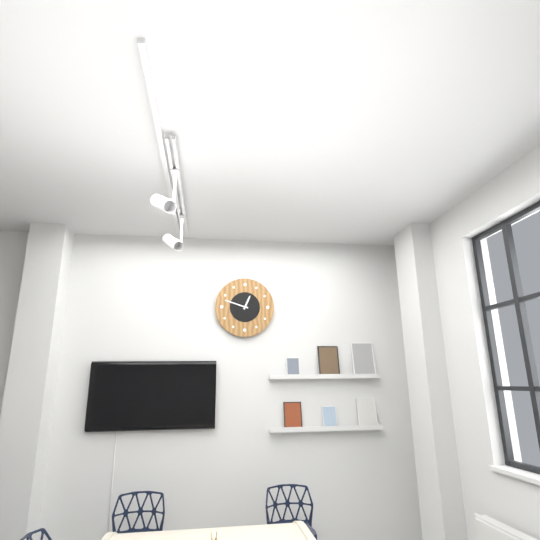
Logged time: 12:48
